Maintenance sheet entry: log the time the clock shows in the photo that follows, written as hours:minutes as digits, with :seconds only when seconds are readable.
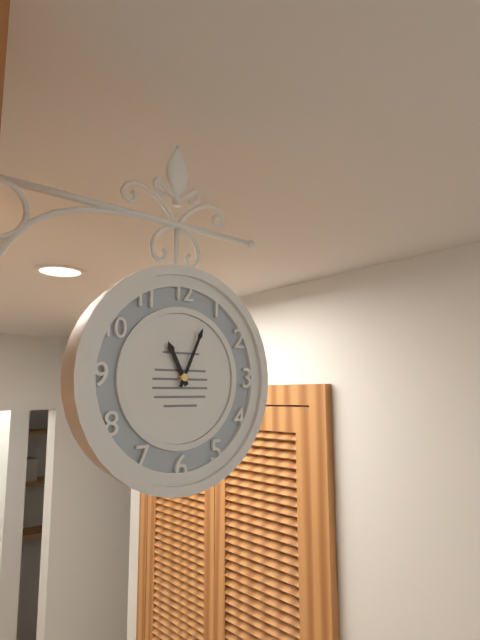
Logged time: 11:04
